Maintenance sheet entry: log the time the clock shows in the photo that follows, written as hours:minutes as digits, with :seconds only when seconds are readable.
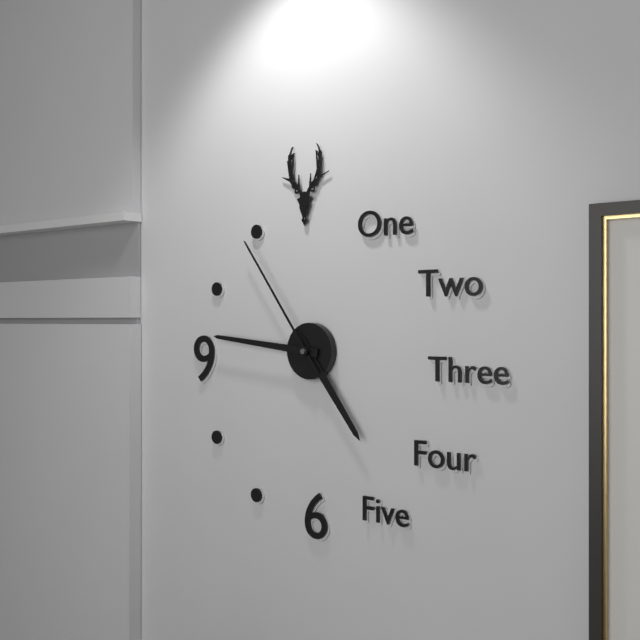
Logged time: 4:46:54
